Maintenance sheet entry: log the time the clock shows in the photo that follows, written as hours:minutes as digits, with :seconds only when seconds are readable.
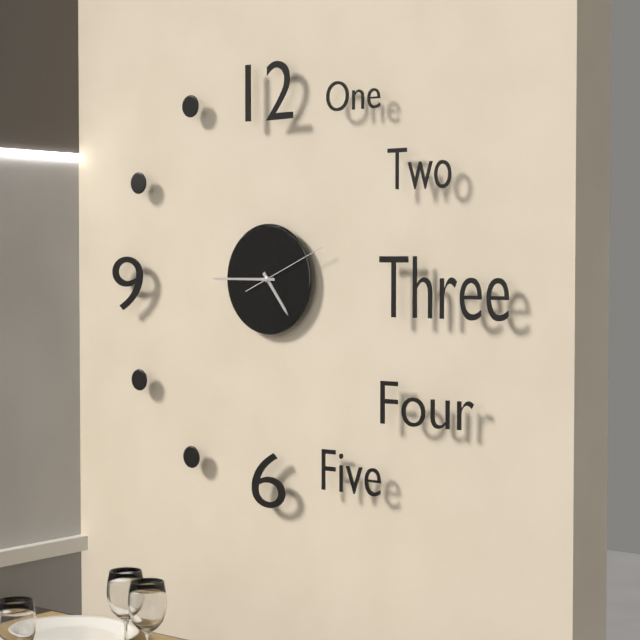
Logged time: 4:45:11
